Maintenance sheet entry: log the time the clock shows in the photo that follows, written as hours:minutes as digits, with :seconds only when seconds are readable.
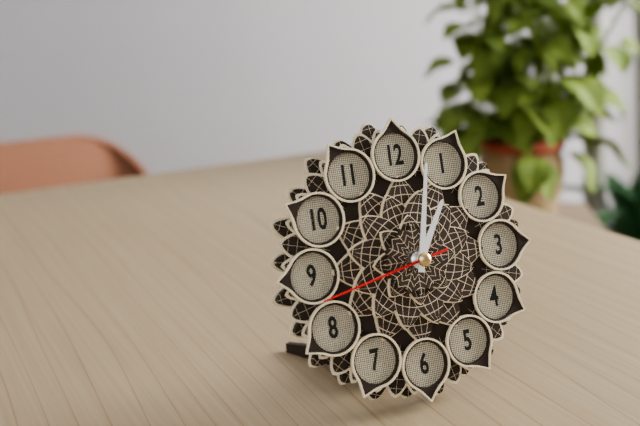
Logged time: 1:02:43
